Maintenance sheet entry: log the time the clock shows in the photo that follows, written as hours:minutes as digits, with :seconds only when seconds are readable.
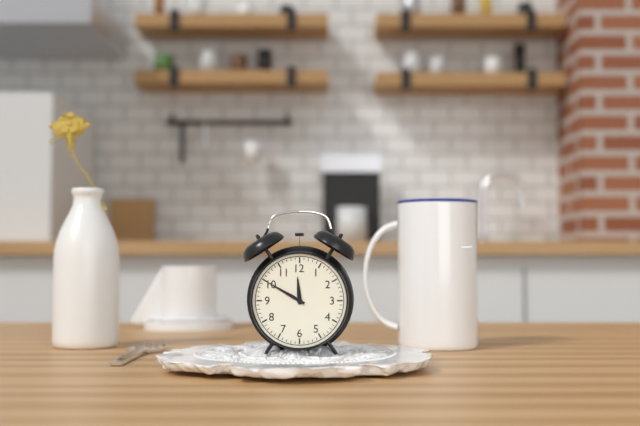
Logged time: 11:50
